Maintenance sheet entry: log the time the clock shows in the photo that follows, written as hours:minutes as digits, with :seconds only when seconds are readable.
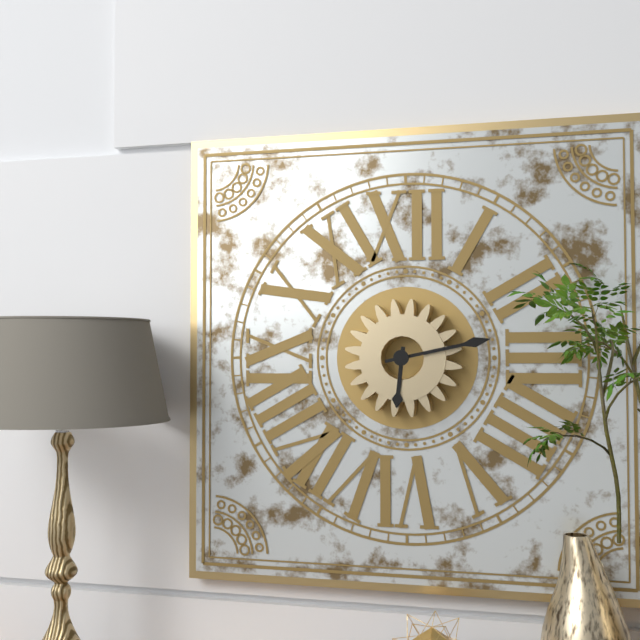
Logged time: 6:13
